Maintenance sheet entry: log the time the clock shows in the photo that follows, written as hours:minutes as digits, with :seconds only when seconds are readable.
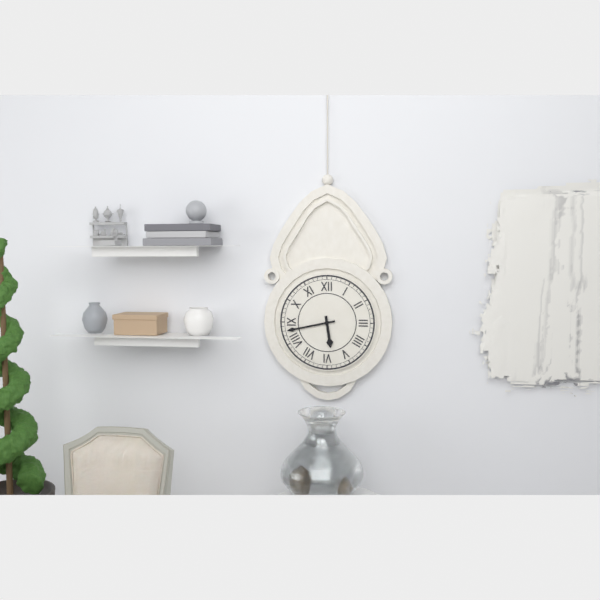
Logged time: 5:43
